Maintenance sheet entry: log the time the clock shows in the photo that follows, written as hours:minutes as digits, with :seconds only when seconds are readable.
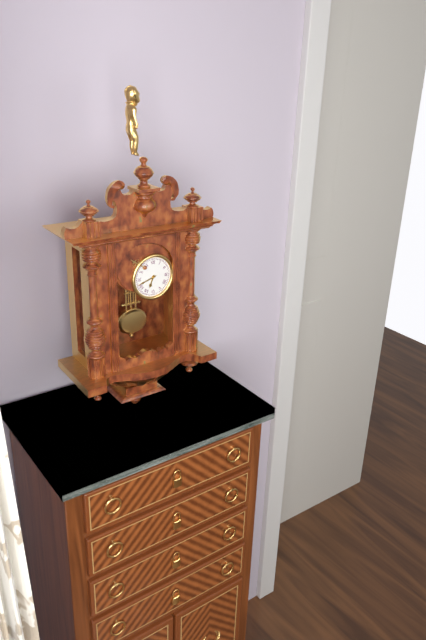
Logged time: 6:42
